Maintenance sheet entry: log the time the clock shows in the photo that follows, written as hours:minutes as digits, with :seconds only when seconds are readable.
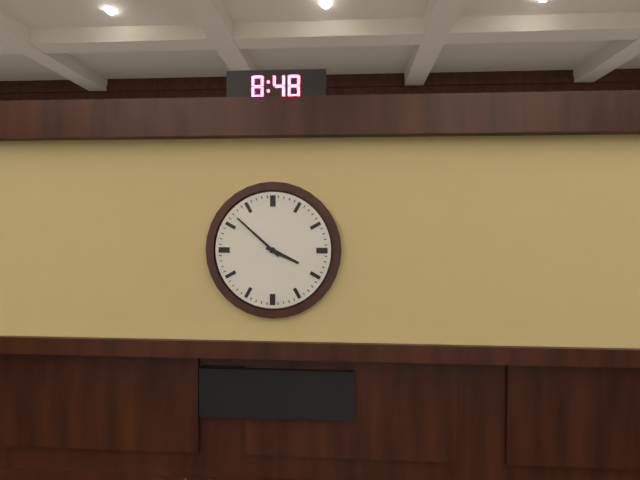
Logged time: 3:52
